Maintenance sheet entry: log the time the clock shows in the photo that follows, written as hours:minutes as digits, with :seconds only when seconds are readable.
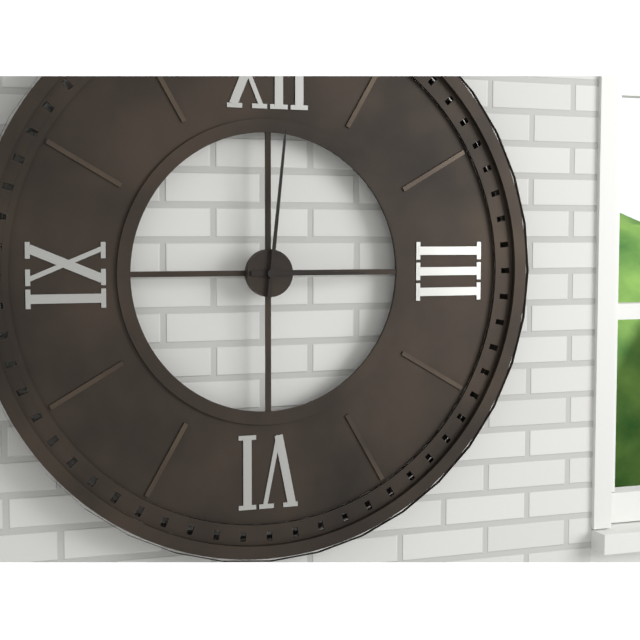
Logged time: 3:01
